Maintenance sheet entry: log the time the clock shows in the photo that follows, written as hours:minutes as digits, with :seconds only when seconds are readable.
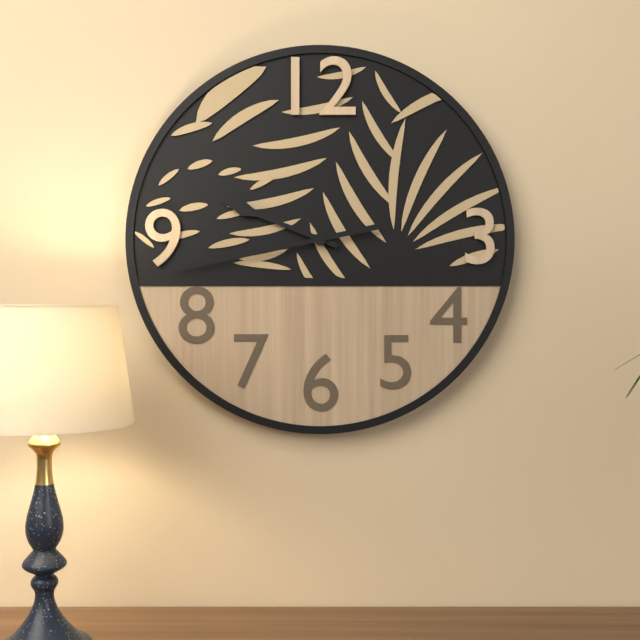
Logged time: 9:43
